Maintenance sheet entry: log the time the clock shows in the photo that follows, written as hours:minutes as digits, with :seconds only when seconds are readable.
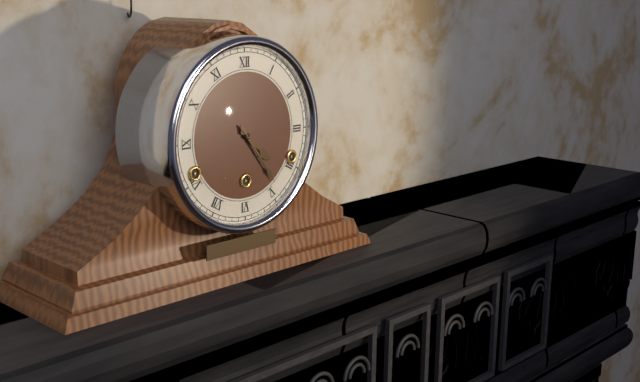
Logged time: 4:24
